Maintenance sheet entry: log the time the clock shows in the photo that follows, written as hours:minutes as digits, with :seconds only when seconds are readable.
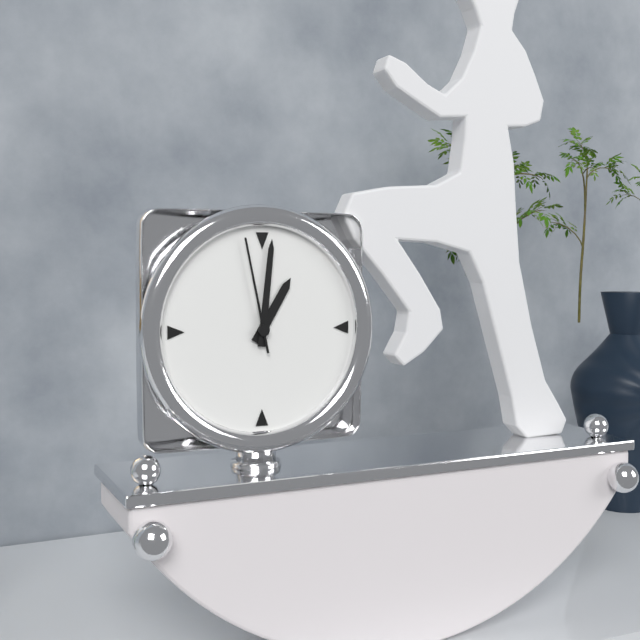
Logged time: 1:01:58
